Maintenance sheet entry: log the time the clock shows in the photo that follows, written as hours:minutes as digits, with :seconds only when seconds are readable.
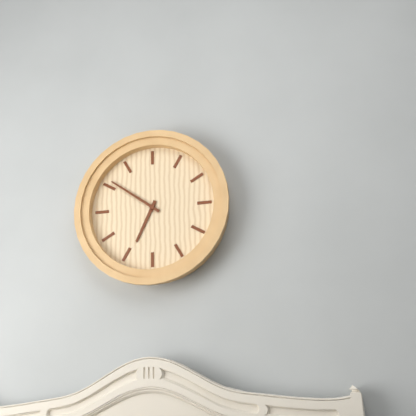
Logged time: 6:51
